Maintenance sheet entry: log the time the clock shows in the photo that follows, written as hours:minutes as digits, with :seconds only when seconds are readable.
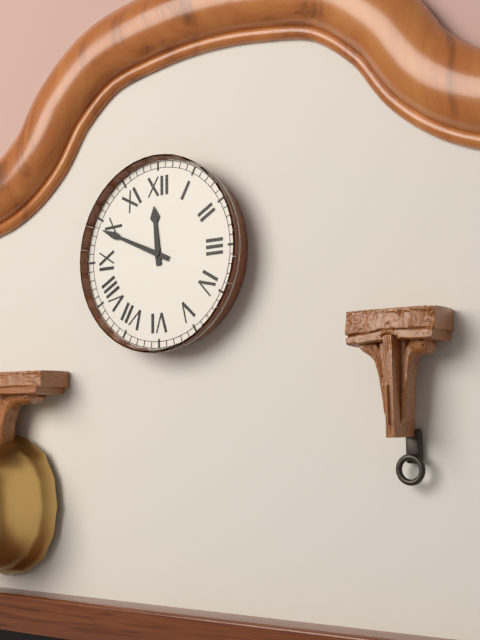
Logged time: 11:49
